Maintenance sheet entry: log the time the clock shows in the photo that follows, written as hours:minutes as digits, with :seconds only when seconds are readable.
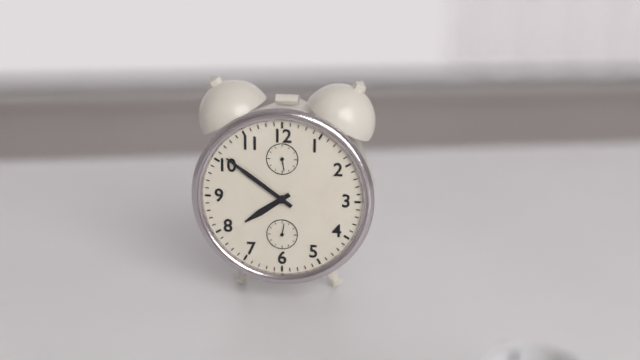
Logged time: 7:51
